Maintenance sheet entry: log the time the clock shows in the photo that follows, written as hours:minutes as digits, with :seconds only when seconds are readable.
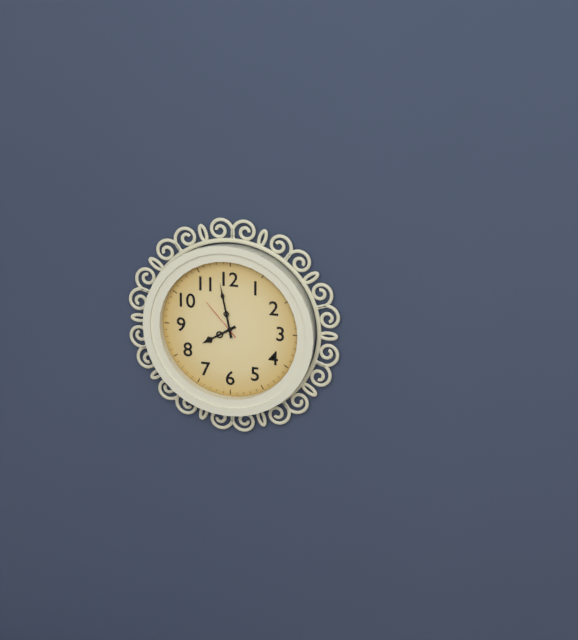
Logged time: 7:58
